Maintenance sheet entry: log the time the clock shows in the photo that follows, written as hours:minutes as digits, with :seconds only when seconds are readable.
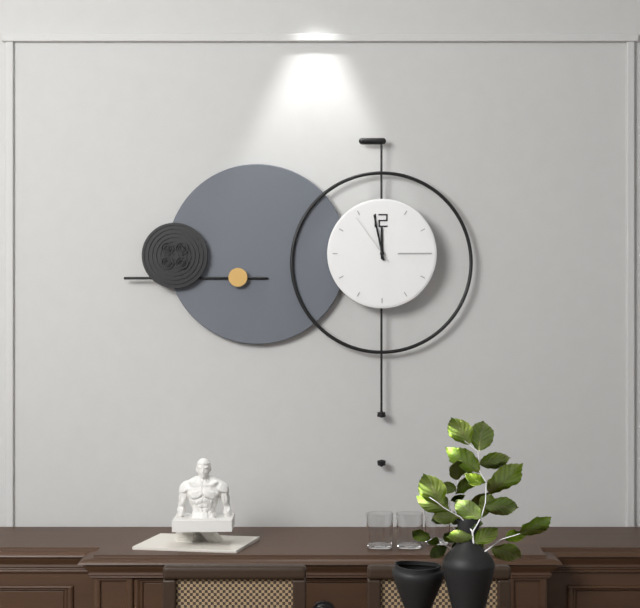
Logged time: 11:58:54
